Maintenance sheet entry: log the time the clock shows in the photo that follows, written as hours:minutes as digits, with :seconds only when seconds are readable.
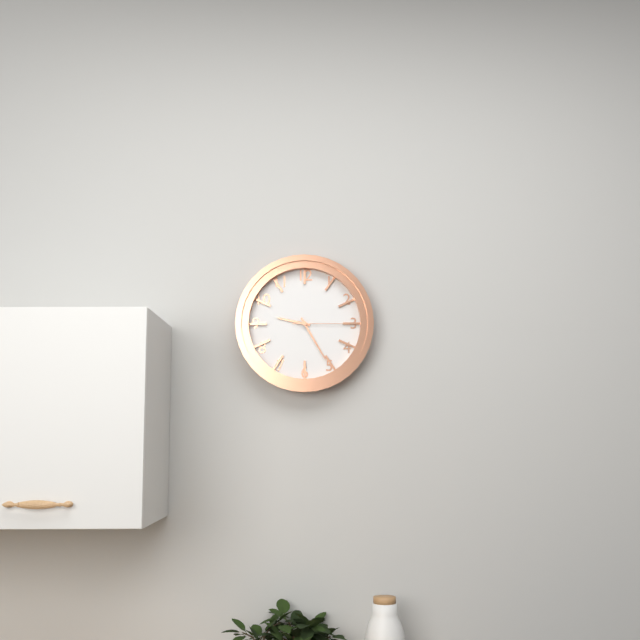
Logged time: 9:25:15
